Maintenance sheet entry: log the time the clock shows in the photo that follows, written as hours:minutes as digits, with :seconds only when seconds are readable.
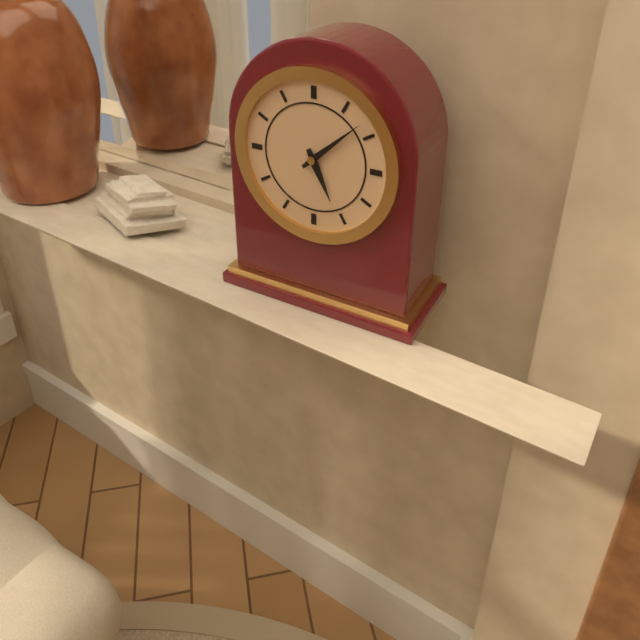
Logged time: 5:08
